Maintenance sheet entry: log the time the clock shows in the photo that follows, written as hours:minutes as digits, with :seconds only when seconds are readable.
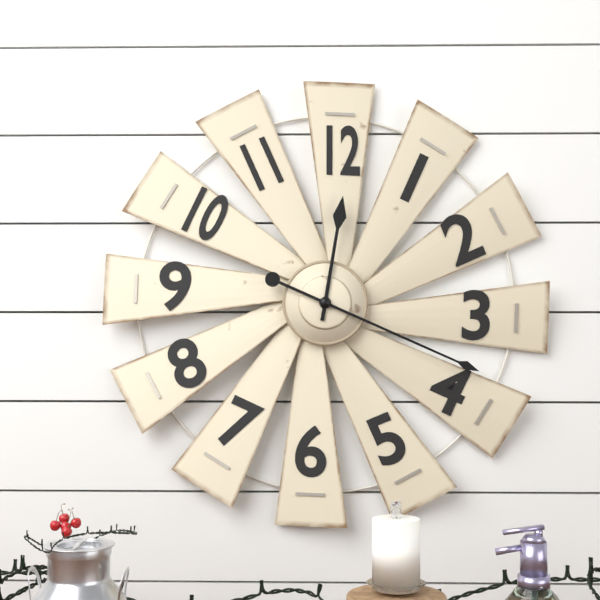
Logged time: 12:19
